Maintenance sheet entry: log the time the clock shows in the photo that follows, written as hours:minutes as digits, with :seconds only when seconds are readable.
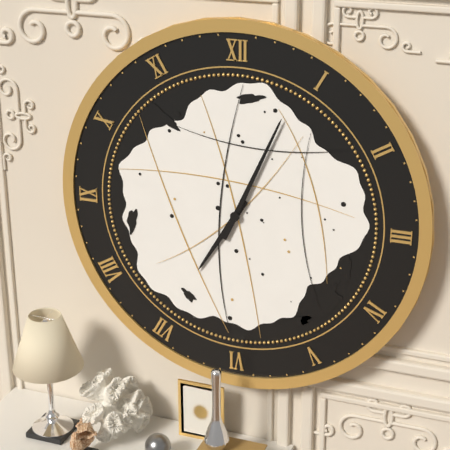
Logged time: 7:04
